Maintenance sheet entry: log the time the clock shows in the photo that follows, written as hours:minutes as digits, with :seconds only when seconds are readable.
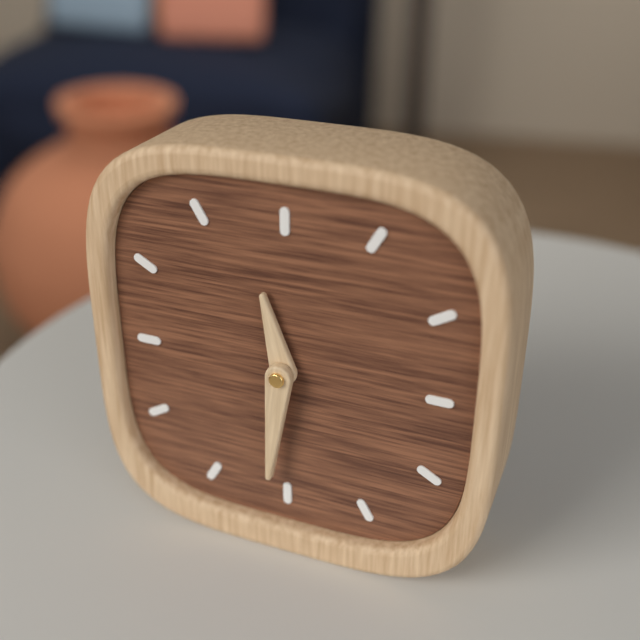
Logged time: 11:31
